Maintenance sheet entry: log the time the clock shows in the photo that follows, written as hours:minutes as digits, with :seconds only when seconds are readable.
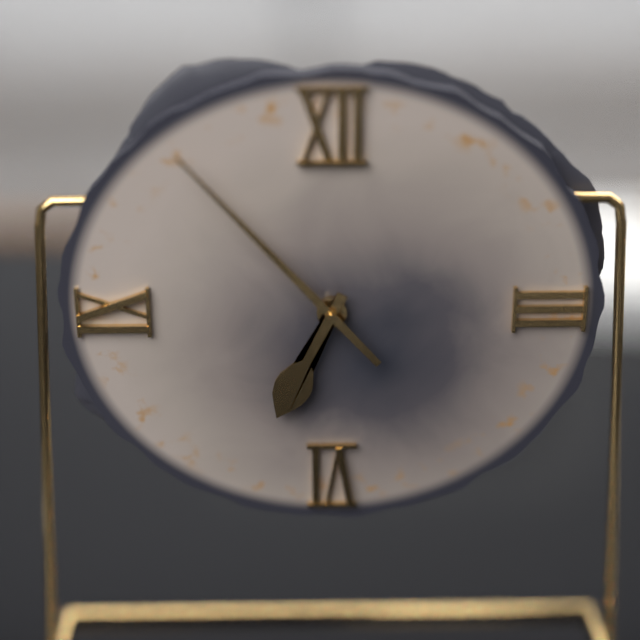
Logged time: 6:53
